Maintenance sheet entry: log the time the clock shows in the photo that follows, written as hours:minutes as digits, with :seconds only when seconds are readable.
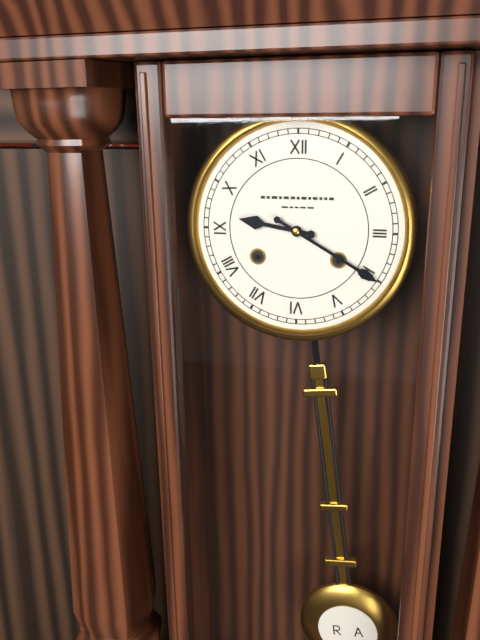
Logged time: 9:20
